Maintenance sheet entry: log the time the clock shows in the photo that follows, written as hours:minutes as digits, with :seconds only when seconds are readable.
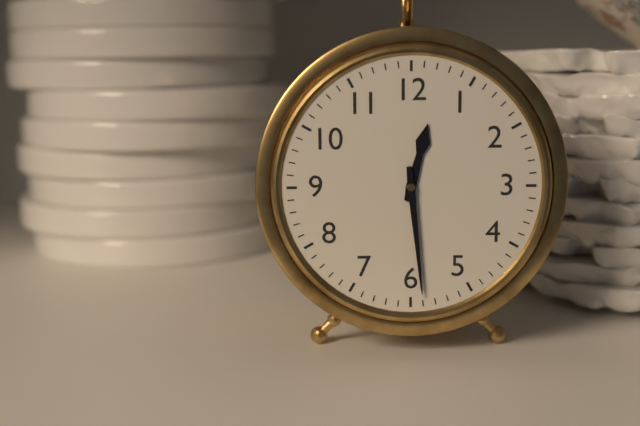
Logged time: 12:29
